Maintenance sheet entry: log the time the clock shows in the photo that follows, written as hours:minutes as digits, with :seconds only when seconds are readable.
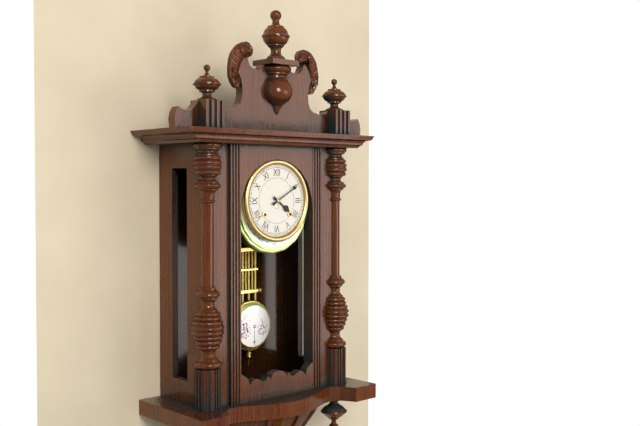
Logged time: 4:10
